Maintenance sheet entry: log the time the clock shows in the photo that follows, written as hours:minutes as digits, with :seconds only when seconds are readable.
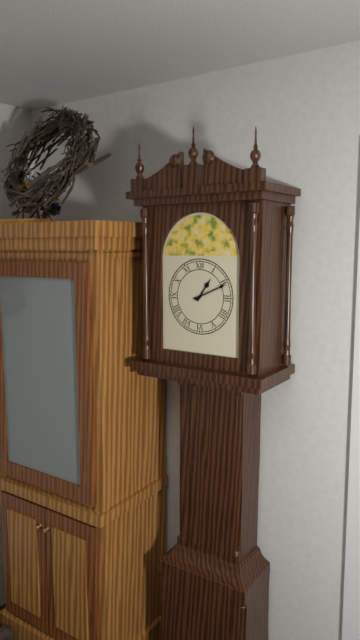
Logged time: 1:11
